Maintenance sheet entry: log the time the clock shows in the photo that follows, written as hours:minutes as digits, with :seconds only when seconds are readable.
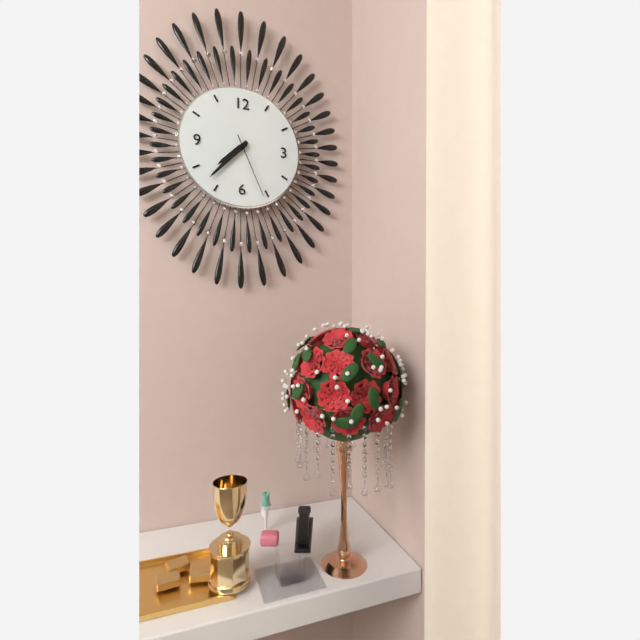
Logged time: 7:37:26
